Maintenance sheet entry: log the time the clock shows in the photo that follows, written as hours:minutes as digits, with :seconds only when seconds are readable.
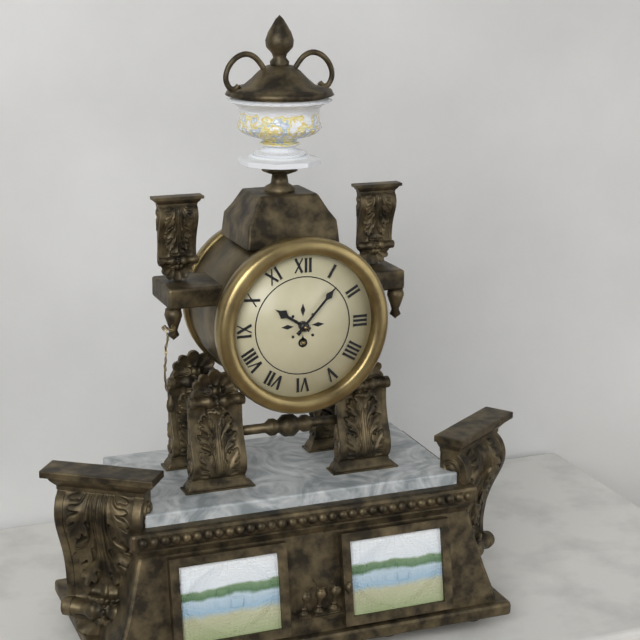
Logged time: 10:07
